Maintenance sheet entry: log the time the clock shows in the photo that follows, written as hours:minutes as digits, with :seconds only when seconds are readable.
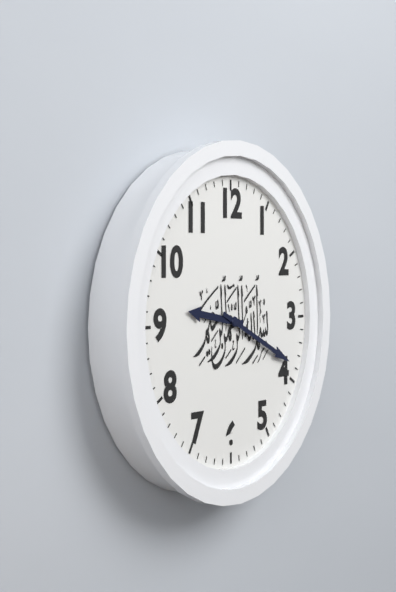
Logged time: 9:19
